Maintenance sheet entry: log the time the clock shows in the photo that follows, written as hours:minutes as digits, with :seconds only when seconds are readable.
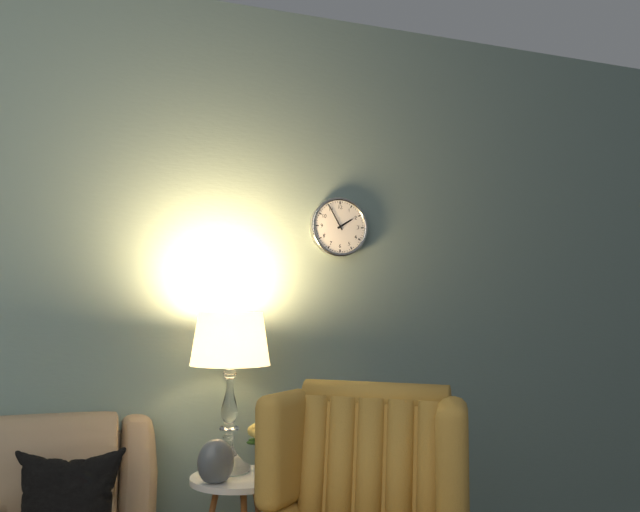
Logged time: 1:55
